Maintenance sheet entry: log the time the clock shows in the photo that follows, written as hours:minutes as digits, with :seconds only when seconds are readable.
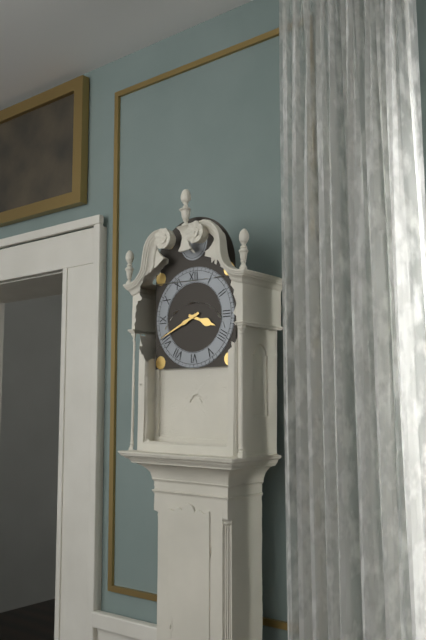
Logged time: 3:41
